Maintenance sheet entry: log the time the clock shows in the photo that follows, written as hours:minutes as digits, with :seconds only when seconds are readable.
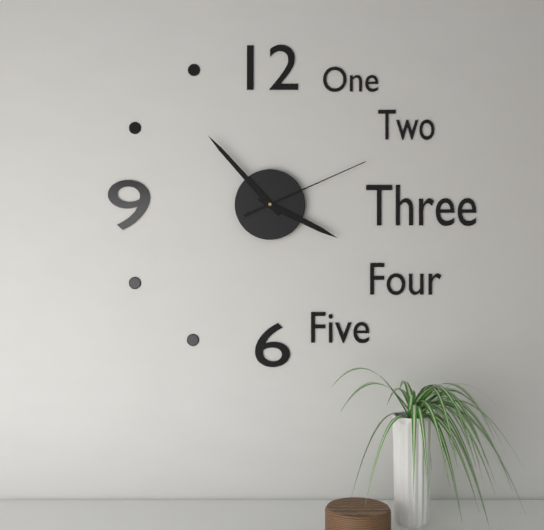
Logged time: 3:53:11
